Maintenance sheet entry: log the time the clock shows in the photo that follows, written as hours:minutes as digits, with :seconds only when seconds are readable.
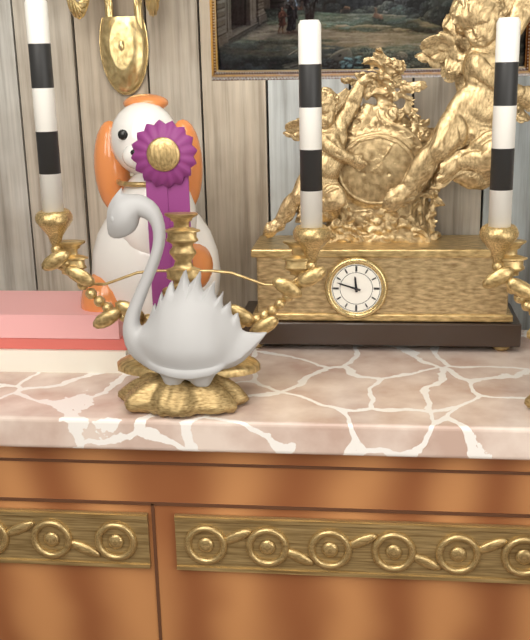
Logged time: 11:48
